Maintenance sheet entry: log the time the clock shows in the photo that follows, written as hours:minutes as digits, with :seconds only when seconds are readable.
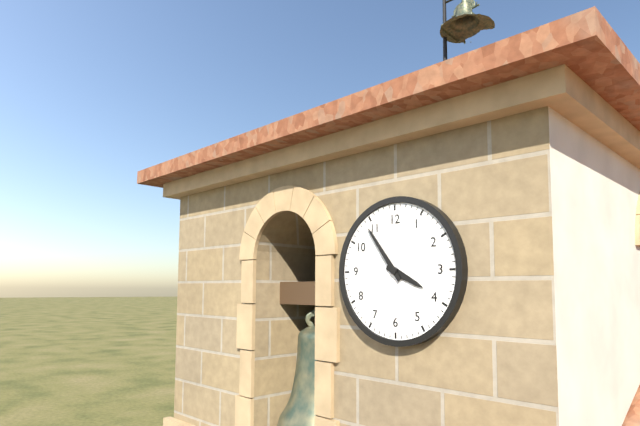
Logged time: 3:54
